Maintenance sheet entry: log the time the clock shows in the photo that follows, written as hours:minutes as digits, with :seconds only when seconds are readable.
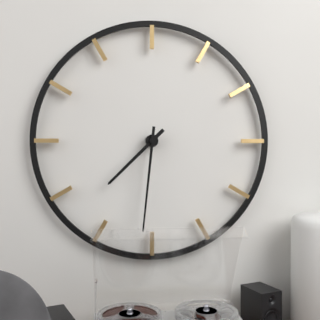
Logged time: 7:31
